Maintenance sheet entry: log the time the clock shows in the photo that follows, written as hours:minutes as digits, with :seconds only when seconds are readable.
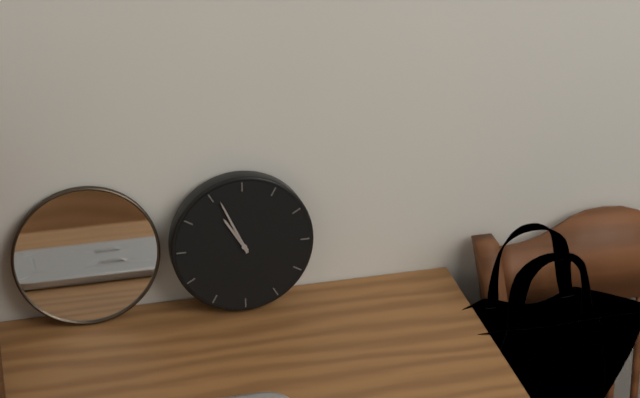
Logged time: 10:56
